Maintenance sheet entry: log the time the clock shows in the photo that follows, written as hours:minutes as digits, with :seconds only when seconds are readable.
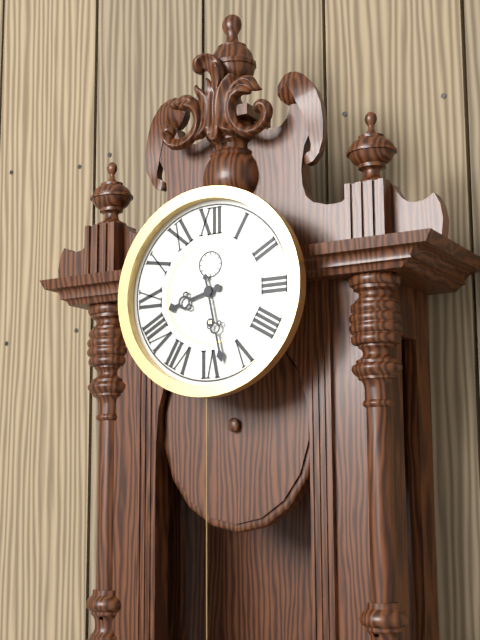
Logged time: 8:28
